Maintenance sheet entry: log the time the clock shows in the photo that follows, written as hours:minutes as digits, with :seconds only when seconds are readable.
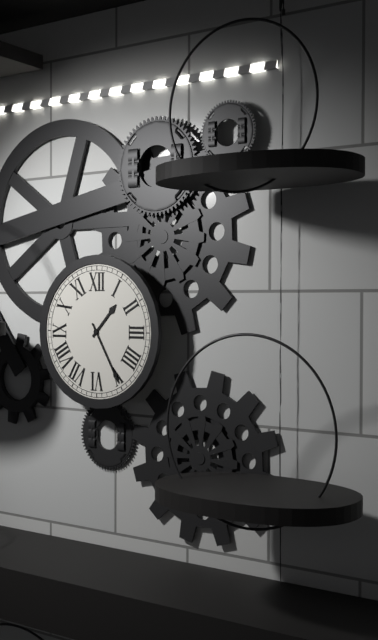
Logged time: 1:25
